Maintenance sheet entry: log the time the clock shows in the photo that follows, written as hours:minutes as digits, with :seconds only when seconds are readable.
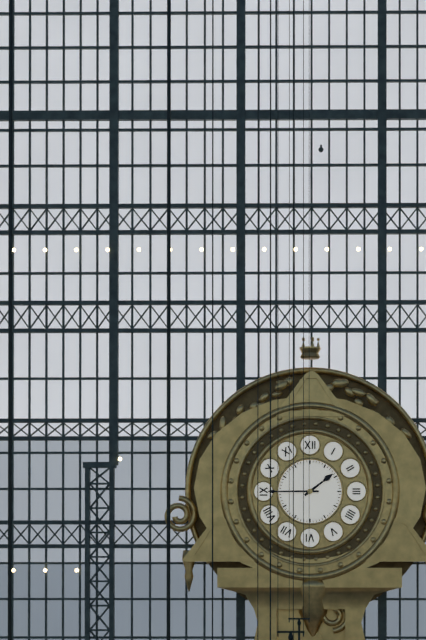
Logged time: 1:45
